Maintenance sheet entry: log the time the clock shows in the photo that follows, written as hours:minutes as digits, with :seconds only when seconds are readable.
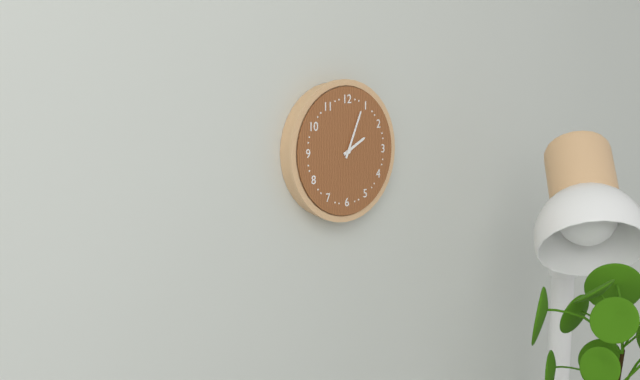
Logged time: 2:04
